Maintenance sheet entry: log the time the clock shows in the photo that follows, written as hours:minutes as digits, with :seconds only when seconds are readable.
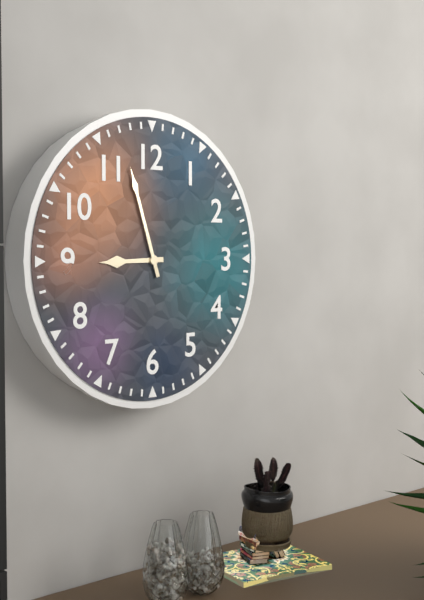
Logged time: 8:57
